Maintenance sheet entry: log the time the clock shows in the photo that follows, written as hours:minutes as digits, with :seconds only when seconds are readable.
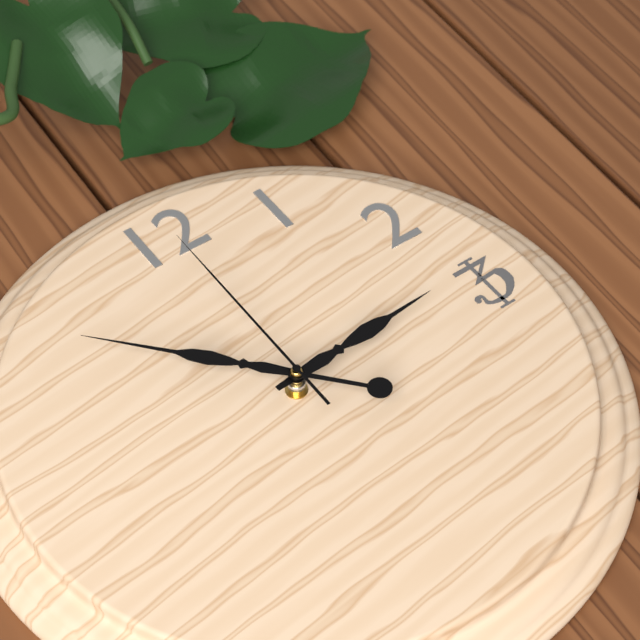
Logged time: 2:53:00
